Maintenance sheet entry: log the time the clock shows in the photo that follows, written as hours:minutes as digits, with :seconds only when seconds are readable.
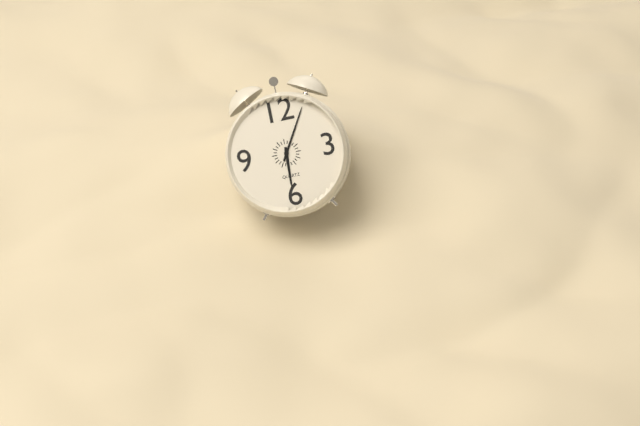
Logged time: 6:05
